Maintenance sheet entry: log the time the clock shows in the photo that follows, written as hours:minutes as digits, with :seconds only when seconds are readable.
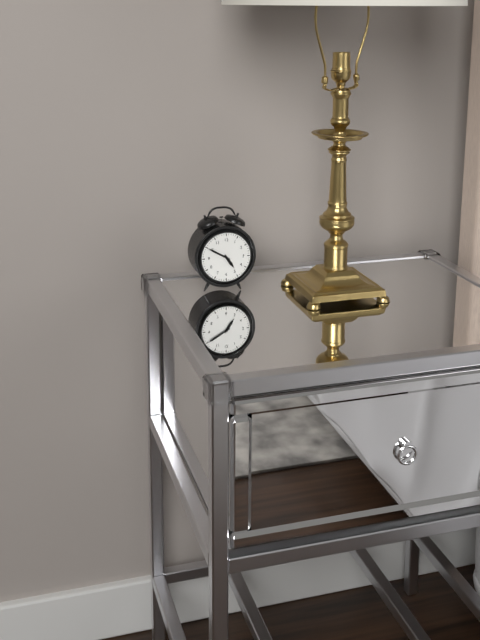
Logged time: 4:50
